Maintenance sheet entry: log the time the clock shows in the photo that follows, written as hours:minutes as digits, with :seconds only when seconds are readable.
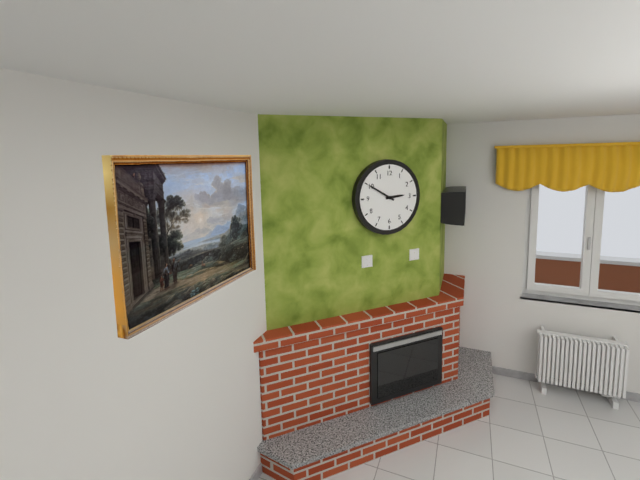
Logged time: 2:50
